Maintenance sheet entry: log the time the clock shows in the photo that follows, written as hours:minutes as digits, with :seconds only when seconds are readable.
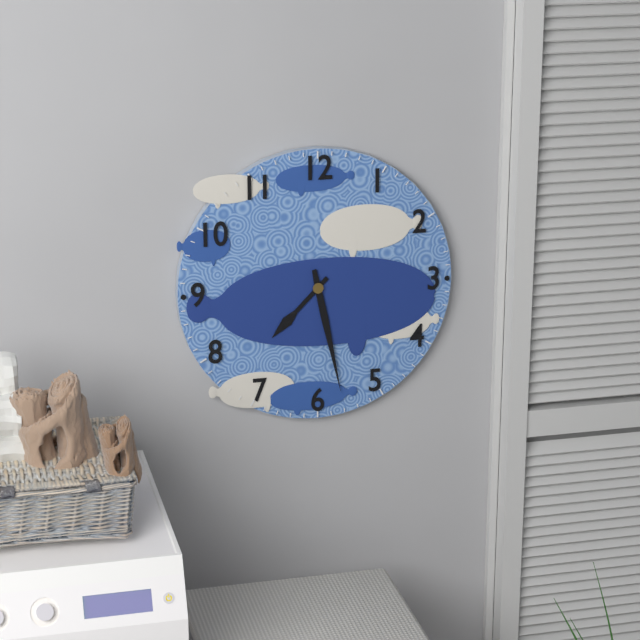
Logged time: 7:28
